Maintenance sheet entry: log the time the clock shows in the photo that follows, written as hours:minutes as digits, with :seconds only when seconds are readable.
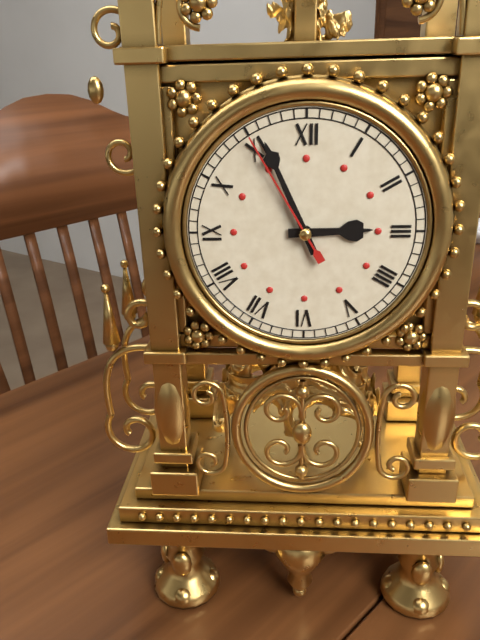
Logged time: 2:56:55
